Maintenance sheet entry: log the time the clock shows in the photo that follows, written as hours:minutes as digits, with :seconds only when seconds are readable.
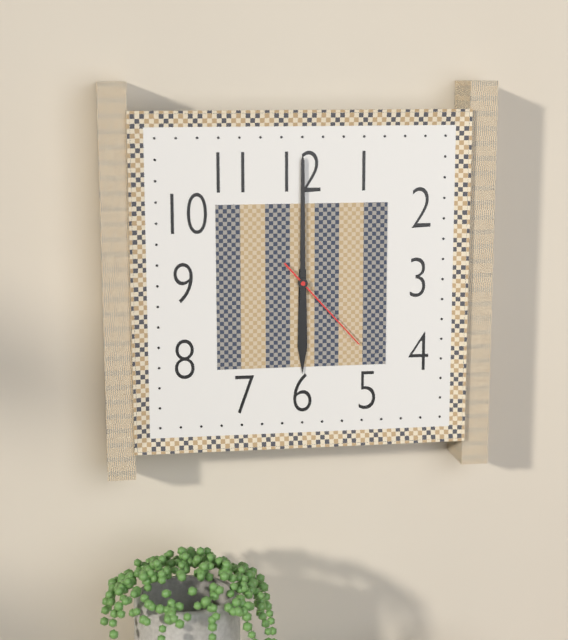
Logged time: 6:00:23
